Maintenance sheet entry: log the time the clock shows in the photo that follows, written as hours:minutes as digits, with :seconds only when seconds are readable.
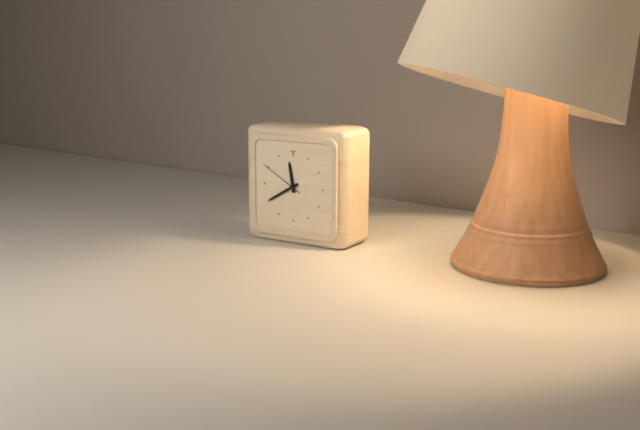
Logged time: 11:40
